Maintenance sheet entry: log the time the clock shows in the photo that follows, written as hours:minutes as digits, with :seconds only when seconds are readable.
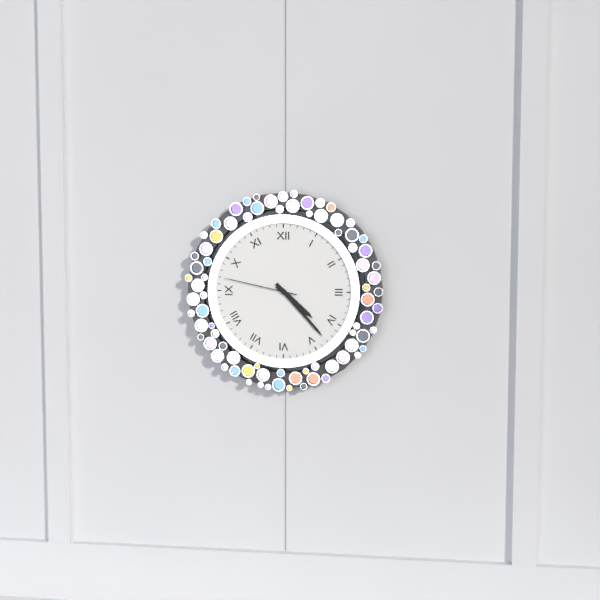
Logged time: 4:23:47
